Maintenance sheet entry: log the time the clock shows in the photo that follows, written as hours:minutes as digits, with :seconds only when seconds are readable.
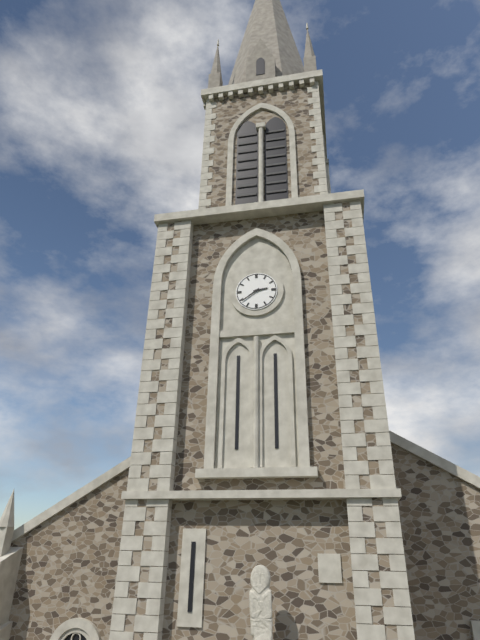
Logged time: 2:39
